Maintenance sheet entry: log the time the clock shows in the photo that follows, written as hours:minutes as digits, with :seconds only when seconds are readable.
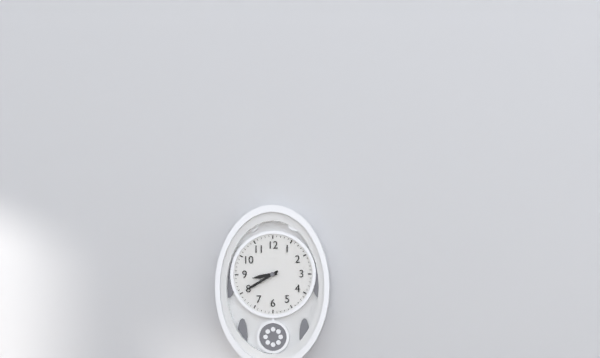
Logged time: 8:40
